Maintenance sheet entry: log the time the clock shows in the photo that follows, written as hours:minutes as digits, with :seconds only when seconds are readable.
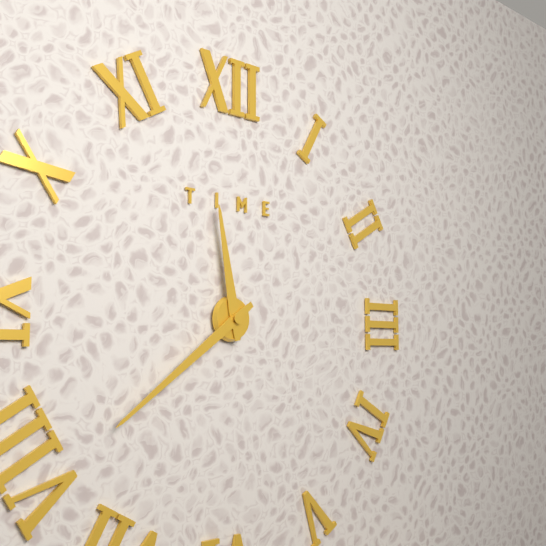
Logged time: 11:39
